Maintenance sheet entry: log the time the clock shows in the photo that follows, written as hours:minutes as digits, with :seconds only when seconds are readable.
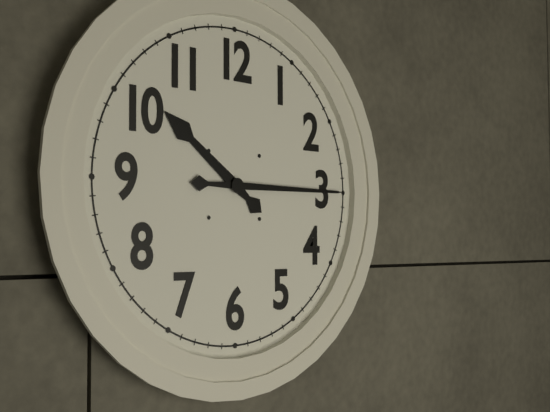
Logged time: 10:15
